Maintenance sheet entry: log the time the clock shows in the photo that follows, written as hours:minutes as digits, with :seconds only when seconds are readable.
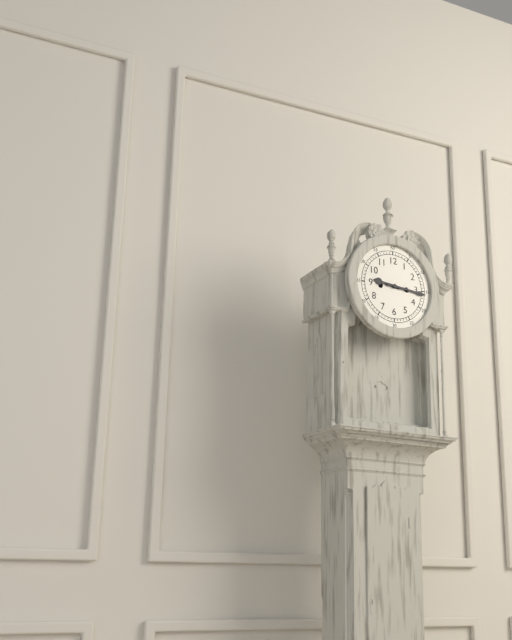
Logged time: 9:16
